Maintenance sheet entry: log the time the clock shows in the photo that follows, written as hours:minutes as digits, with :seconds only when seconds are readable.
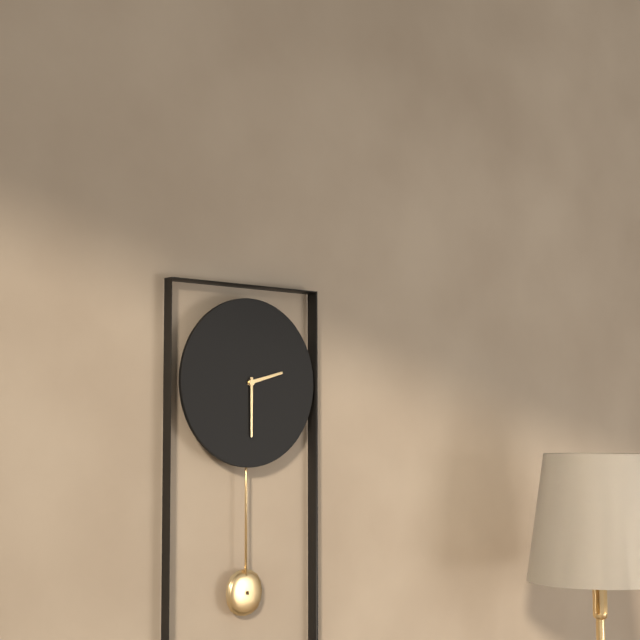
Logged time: 2:30
